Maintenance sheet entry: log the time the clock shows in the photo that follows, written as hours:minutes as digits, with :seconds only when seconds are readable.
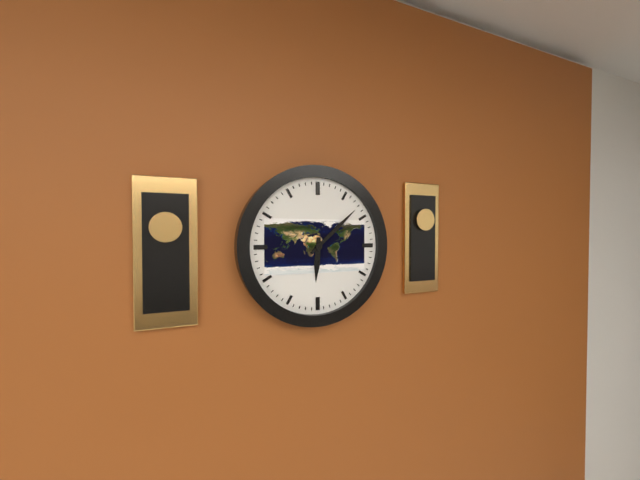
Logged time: 6:08
